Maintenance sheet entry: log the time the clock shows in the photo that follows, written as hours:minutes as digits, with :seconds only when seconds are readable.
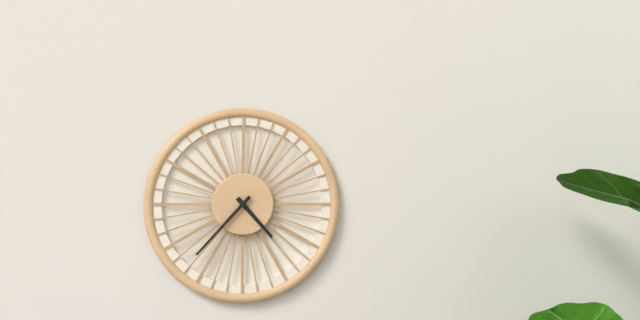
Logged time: 4:37
